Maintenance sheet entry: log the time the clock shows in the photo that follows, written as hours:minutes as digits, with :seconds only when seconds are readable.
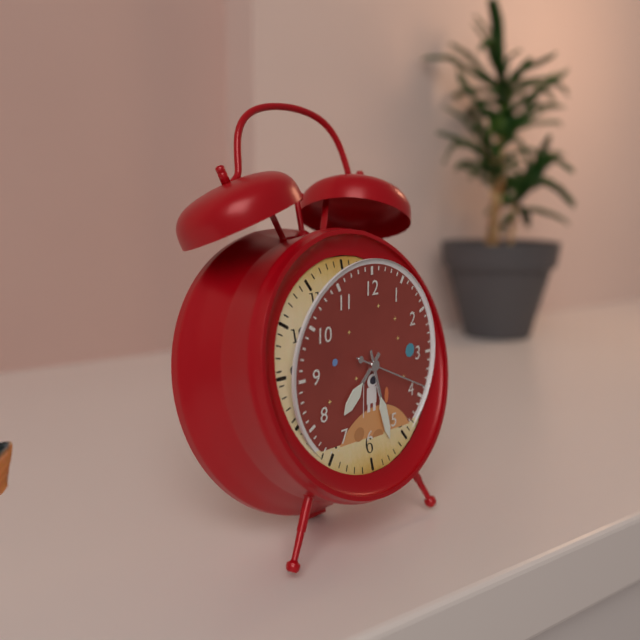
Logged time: 7:27:19
